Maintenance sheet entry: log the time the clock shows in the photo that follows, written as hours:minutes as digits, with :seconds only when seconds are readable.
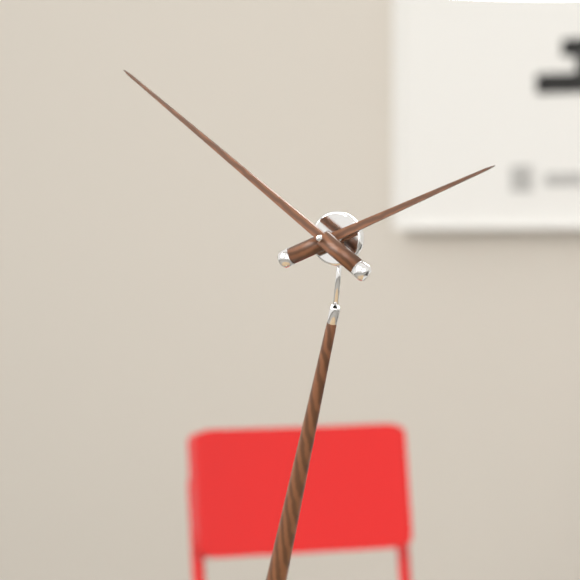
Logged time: 1:49
